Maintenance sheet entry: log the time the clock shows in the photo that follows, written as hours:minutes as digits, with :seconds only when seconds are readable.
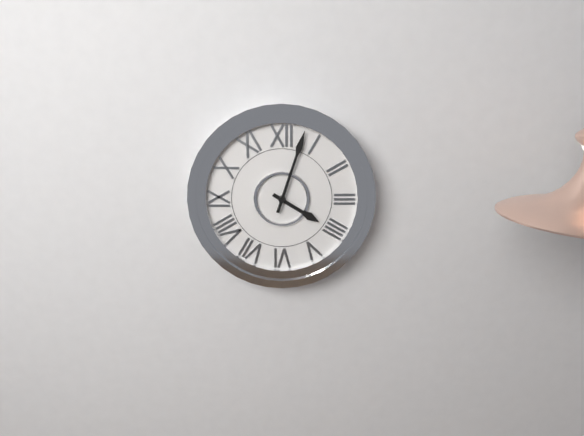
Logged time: 4:03
